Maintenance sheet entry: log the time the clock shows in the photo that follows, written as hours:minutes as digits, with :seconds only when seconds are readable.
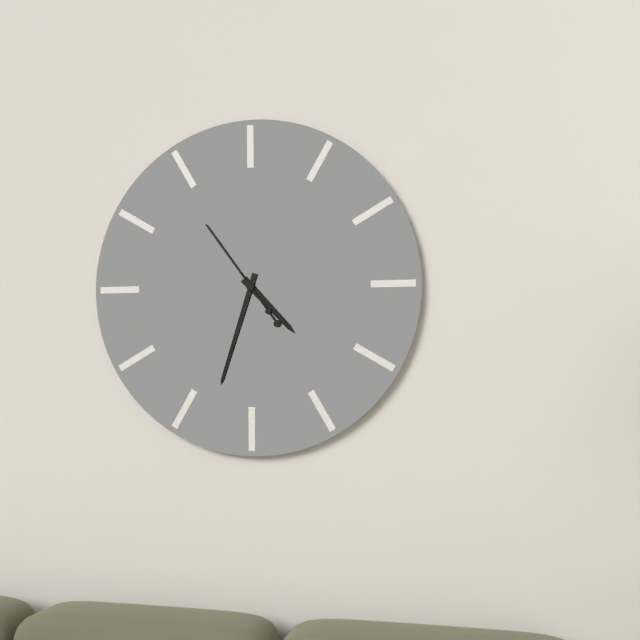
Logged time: 4:33:54
